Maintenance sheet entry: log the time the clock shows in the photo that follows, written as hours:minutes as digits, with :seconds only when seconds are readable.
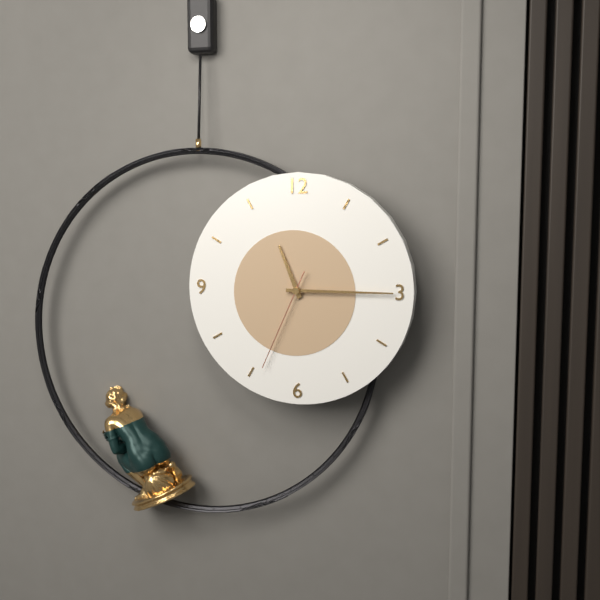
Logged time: 11:15:34
